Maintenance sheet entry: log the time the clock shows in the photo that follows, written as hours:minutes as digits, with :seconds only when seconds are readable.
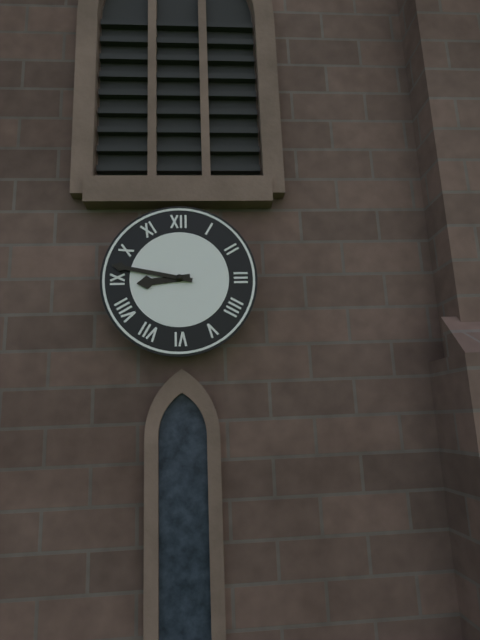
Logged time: 8:47
